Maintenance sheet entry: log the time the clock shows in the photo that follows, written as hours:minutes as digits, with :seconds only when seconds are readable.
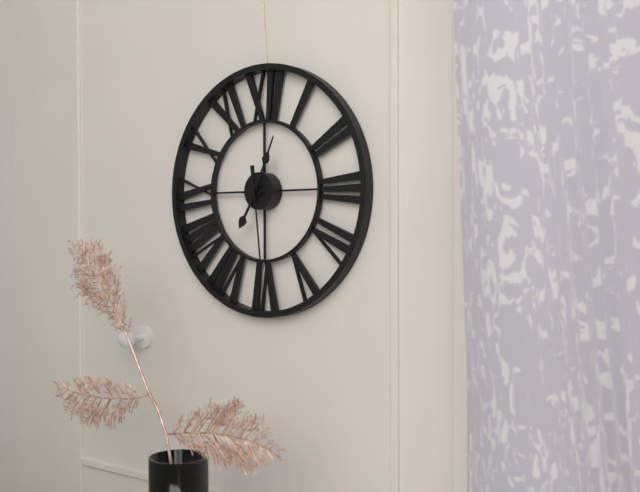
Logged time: 7:04:29
